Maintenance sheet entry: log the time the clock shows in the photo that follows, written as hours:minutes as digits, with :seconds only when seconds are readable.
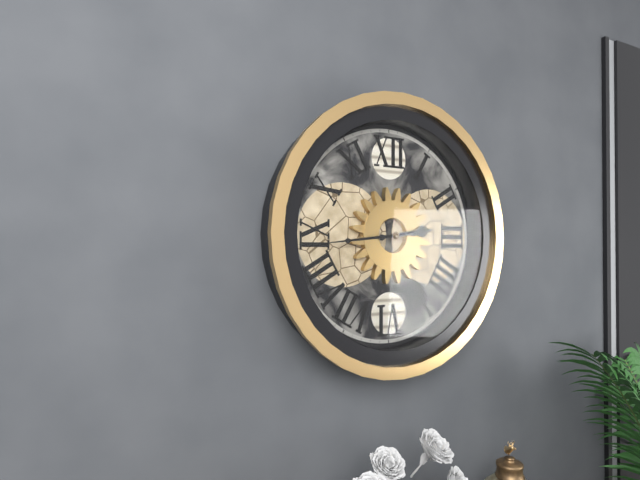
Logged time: 2:44
